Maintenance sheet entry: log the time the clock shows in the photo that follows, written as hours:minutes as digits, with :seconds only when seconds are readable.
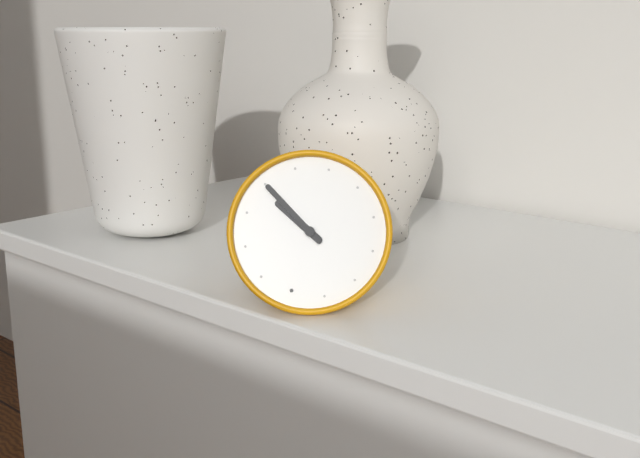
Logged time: 9:50
